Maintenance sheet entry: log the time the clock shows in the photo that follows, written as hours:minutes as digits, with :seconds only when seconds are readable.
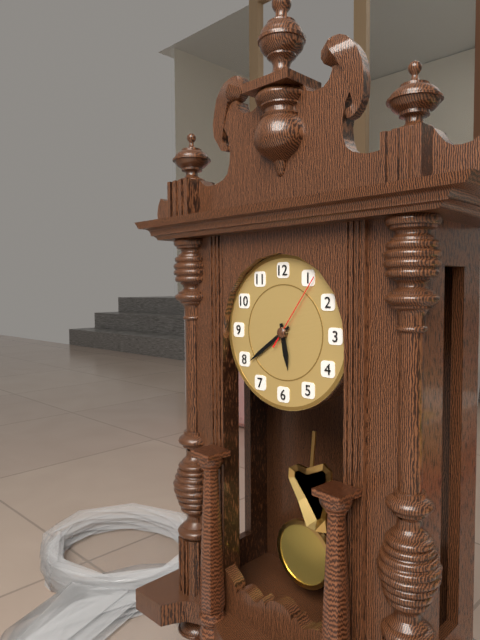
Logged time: 5:39:06
